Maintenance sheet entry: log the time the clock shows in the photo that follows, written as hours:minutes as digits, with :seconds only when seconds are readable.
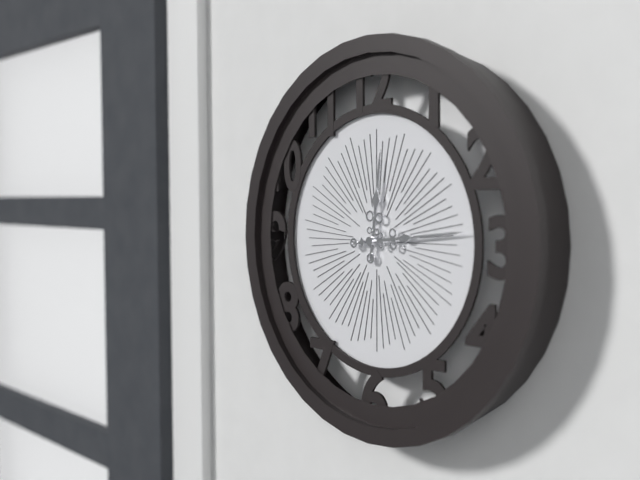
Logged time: 12:14
